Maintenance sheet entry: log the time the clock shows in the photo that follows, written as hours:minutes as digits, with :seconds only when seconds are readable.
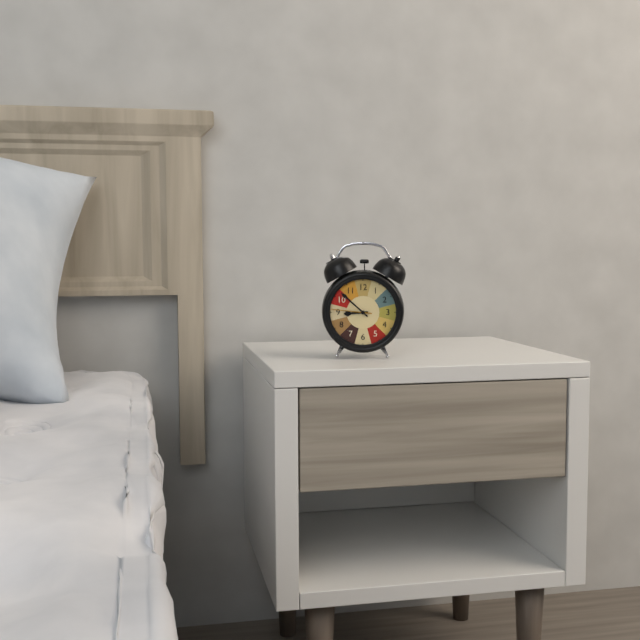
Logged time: 8:52
